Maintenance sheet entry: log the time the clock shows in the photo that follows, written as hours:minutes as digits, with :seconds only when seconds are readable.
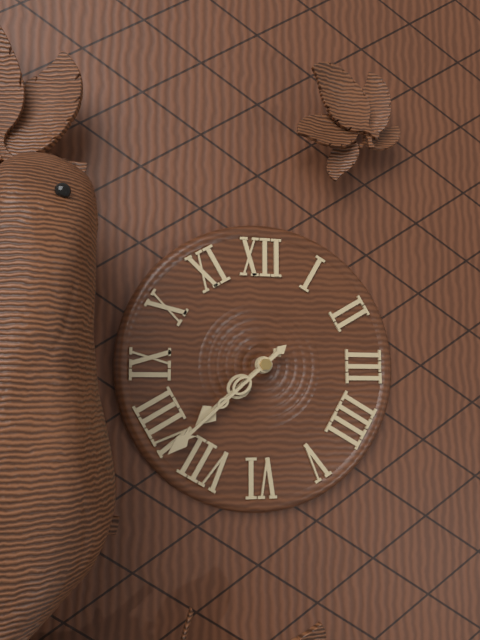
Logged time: 7:38
